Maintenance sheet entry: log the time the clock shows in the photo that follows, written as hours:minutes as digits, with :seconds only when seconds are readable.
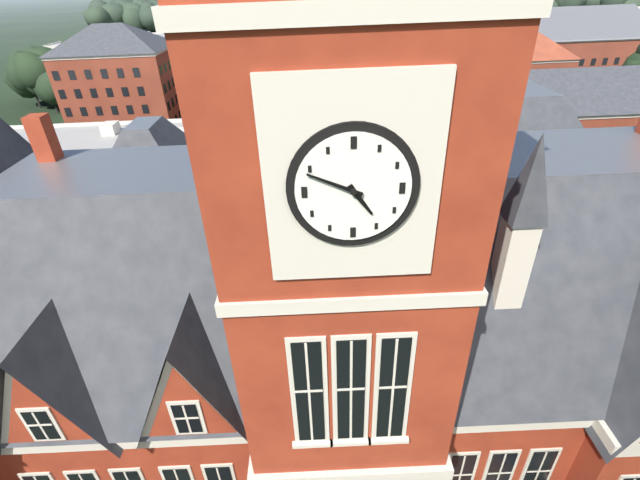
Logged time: 4:49
